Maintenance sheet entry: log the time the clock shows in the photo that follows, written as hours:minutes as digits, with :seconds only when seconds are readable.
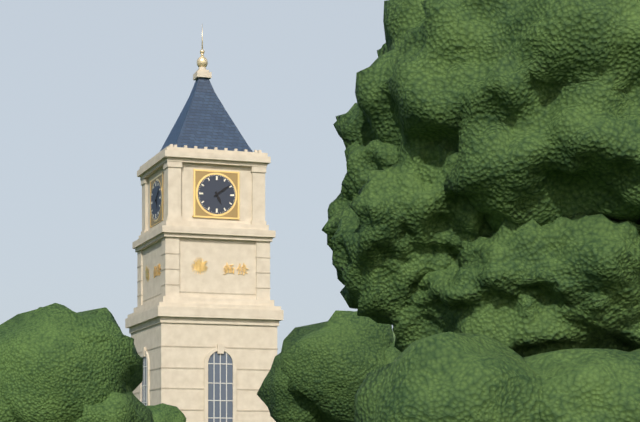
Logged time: 5:09
